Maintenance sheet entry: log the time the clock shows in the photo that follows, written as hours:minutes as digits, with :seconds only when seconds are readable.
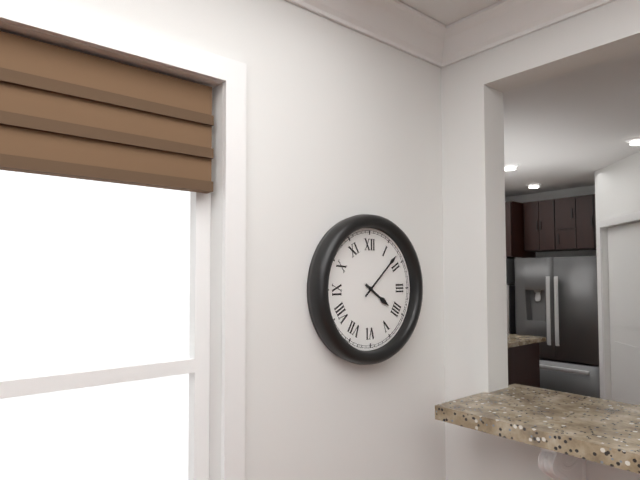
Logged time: 4:08
